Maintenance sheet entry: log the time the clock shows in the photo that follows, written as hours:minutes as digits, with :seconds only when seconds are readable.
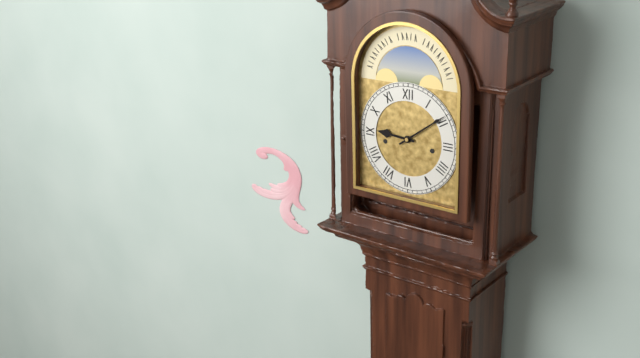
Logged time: 9:09
